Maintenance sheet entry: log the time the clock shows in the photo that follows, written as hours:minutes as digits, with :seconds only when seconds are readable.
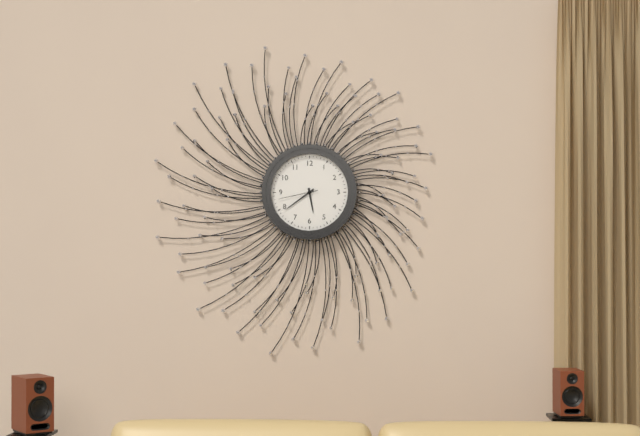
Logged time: 5:39
